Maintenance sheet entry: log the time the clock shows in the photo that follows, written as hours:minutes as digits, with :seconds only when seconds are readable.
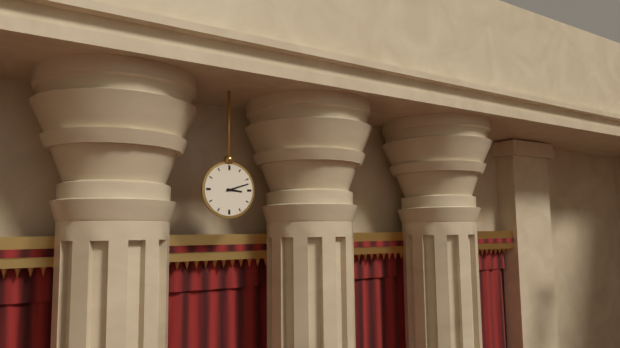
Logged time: 3:12
